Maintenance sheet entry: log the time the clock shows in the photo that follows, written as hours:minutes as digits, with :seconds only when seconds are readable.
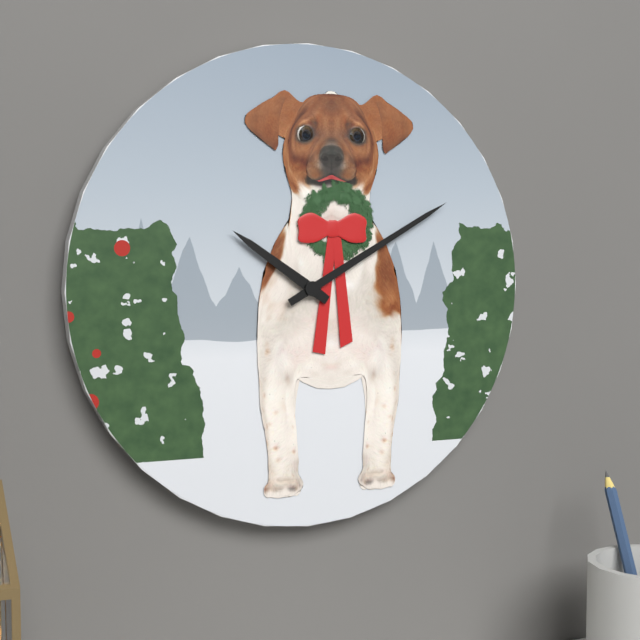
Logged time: 10:10
